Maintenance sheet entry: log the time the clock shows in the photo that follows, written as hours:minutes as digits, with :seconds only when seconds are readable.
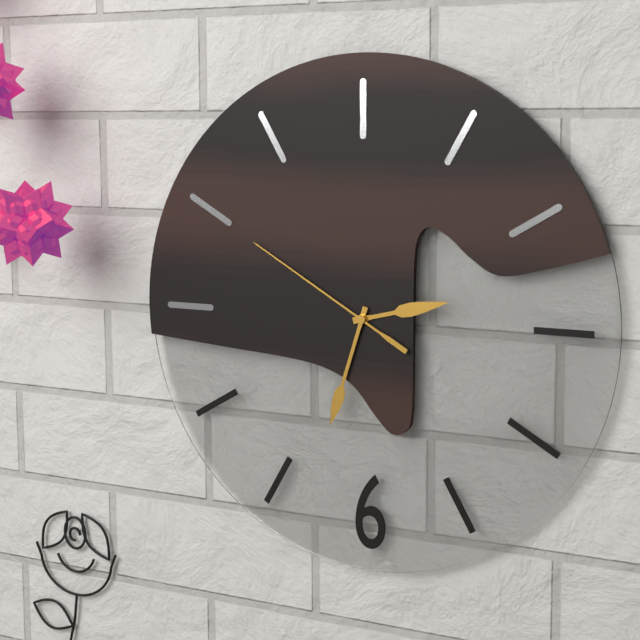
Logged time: 2:33:50
